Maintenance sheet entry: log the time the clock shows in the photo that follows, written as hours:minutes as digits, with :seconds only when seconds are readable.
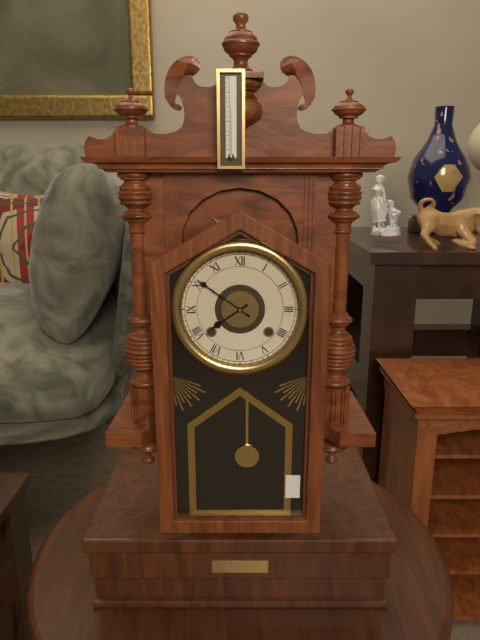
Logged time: 7:51
